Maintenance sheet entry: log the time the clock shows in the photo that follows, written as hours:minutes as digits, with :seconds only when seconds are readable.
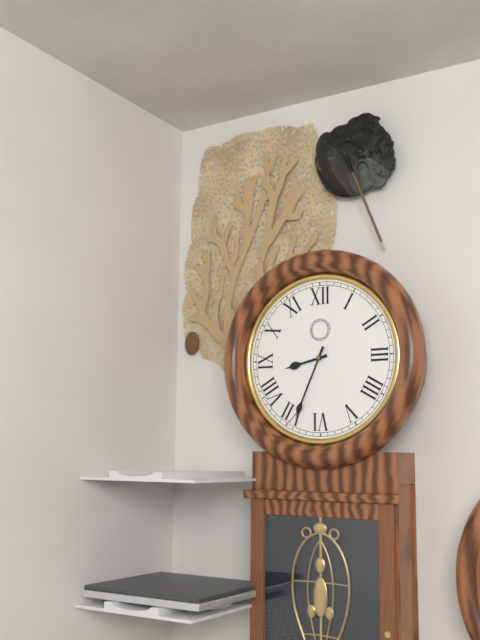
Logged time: 8:34
